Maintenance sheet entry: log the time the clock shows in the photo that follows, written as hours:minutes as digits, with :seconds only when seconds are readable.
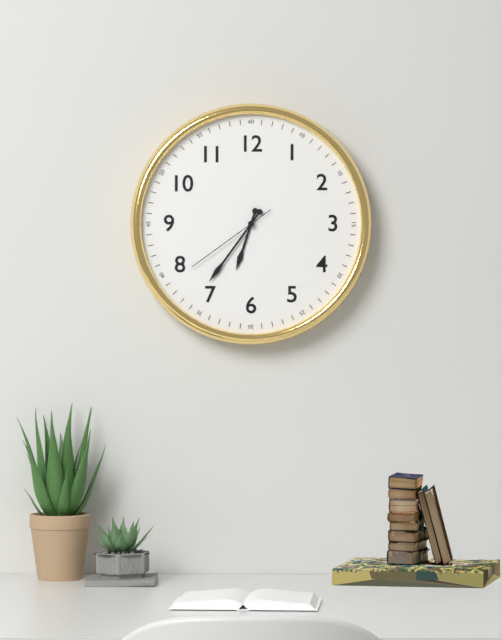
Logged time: 6:36:39
